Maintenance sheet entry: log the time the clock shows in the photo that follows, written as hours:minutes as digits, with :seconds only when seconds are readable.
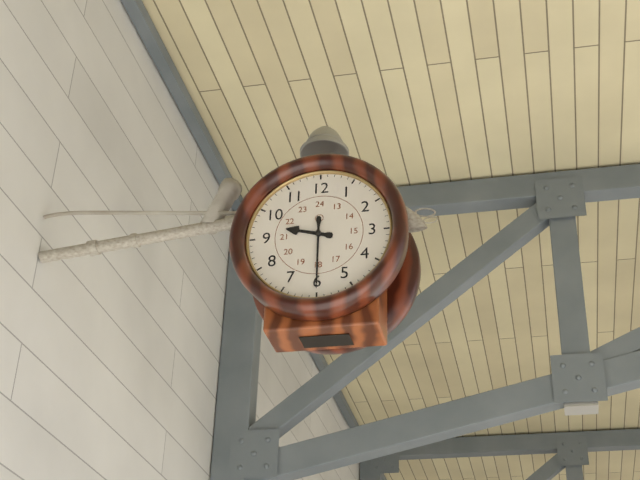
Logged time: 9:30
